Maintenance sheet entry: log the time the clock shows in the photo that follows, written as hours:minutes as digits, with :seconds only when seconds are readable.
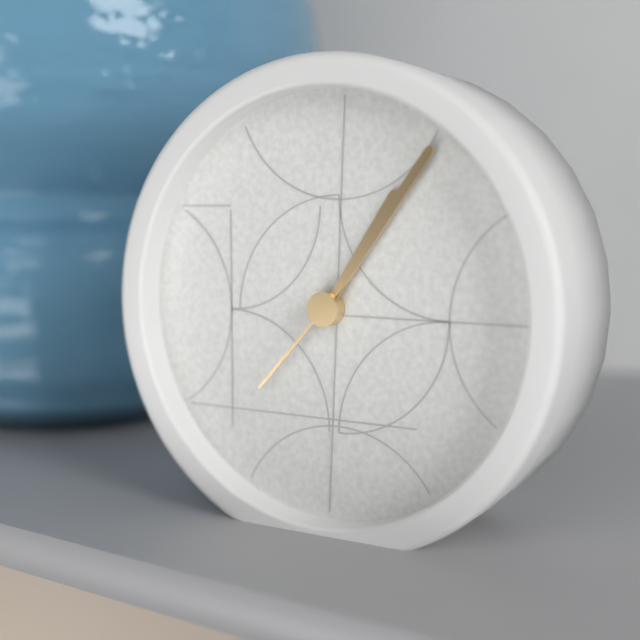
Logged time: 1:06:37
